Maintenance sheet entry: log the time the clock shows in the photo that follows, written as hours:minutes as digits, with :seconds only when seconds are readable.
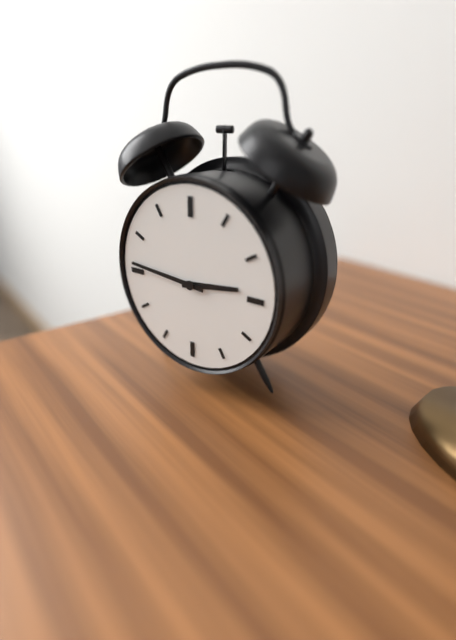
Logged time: 2:46
